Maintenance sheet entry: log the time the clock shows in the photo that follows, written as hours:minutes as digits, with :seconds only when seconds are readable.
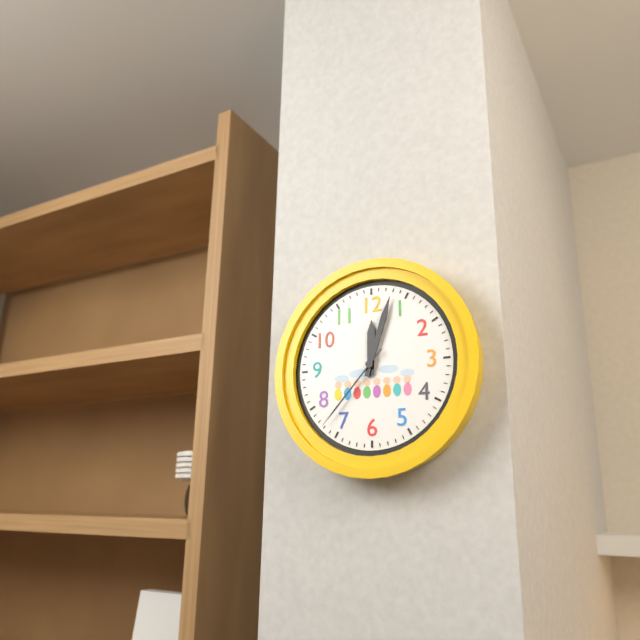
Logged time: 12:03:37
